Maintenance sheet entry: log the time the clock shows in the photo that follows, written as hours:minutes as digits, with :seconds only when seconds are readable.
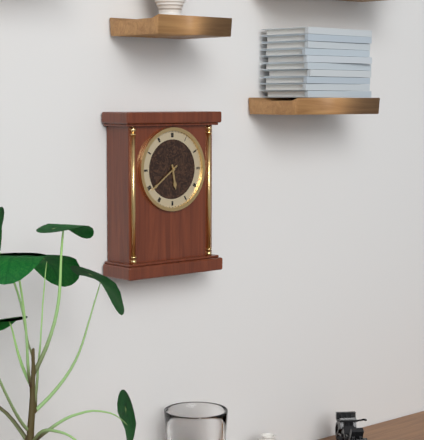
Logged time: 5:39
